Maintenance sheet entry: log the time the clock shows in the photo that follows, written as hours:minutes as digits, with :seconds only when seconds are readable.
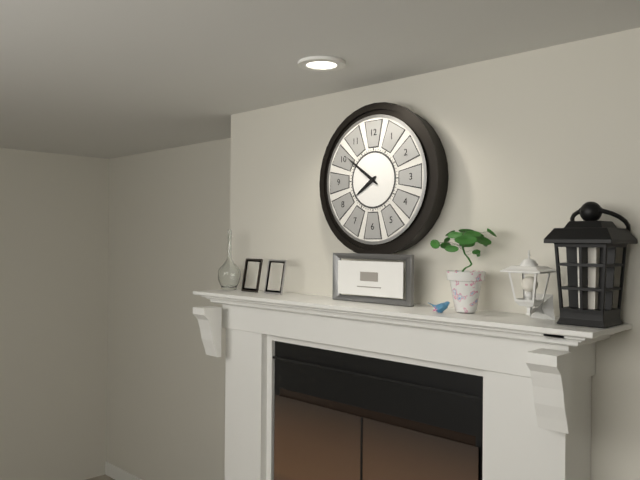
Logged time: 7:51
